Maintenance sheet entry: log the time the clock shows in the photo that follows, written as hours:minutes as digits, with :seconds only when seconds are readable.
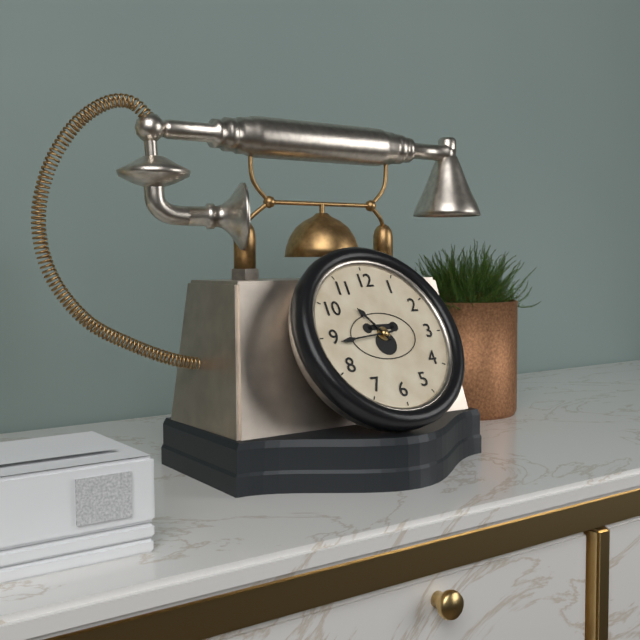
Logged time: 10:44
